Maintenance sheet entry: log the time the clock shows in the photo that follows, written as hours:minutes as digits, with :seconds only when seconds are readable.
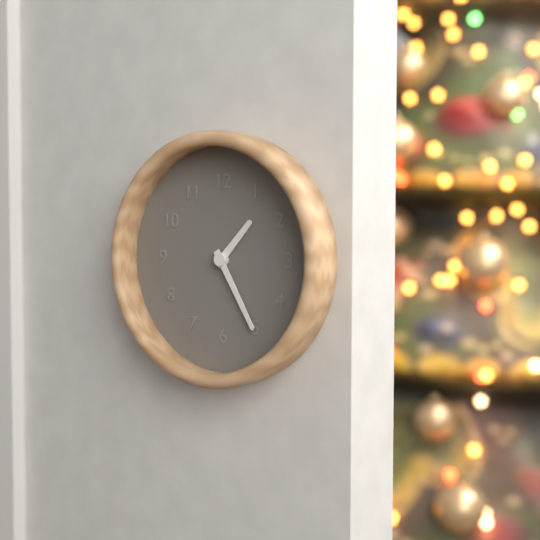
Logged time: 1:25
